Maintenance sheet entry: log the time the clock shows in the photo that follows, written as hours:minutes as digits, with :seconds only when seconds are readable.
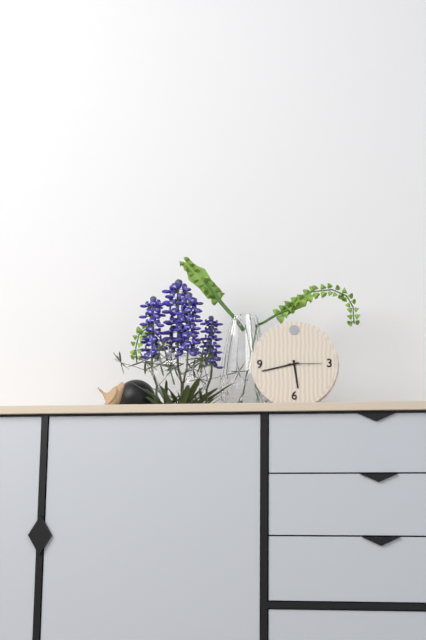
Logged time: 5:43
